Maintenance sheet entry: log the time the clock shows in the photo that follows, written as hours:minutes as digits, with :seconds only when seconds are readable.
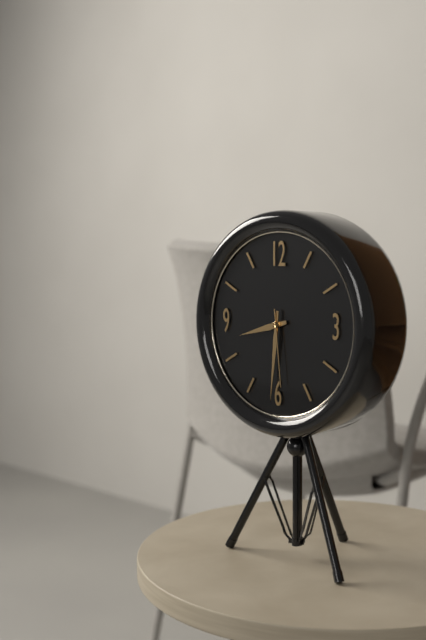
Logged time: 8:31:29
